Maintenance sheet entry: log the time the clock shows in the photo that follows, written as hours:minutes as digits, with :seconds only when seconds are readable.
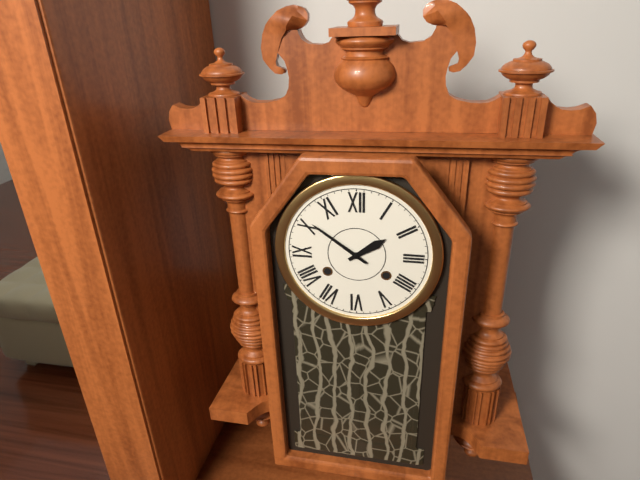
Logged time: 1:51
